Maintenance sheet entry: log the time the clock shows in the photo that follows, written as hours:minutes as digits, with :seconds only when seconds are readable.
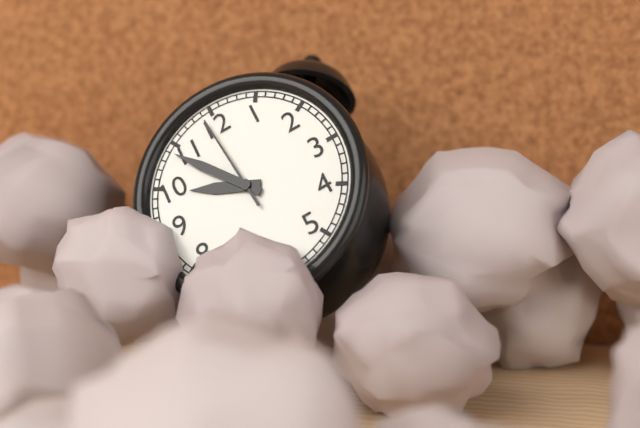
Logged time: 9:54:59
